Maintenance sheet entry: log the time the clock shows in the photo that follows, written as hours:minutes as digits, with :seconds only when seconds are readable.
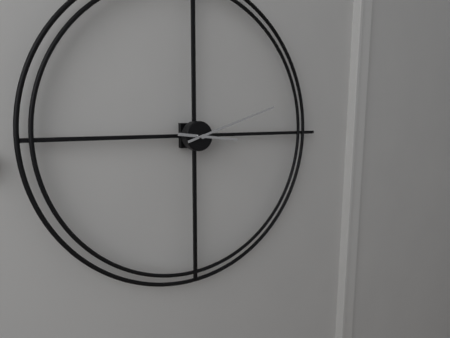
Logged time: 3:12
